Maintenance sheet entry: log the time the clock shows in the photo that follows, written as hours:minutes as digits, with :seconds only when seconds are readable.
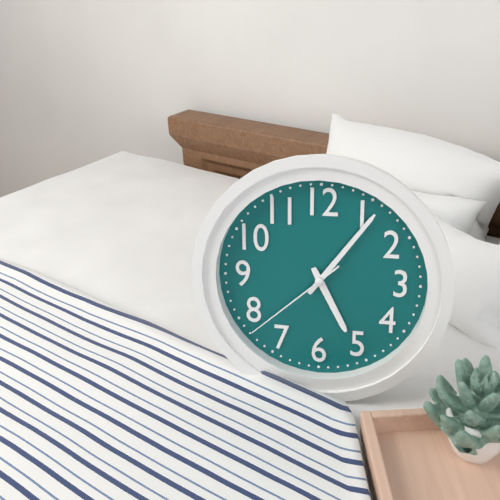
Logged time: 5:06:38
